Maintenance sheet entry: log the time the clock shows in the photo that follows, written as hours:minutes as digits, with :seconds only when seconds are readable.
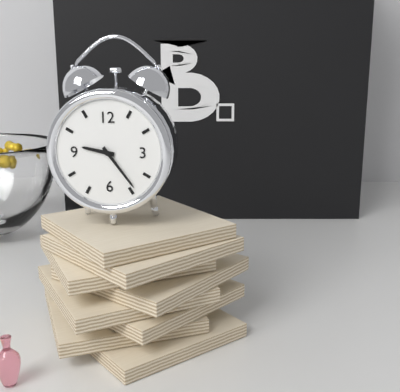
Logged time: 9:24
